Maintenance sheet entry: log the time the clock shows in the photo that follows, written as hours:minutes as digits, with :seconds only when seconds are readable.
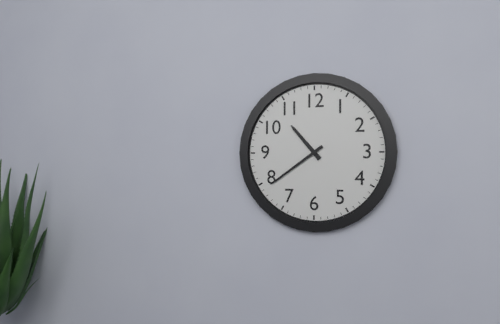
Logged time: 10:39
